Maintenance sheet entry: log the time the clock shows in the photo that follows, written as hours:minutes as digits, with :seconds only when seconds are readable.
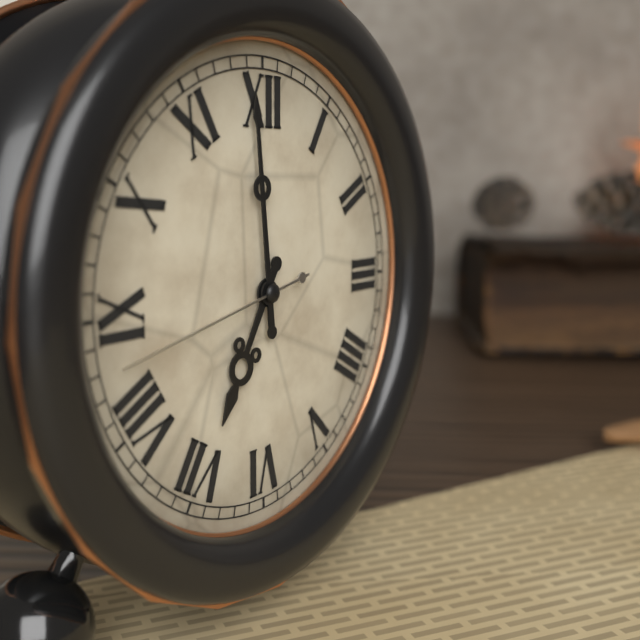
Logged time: 6:59:43
